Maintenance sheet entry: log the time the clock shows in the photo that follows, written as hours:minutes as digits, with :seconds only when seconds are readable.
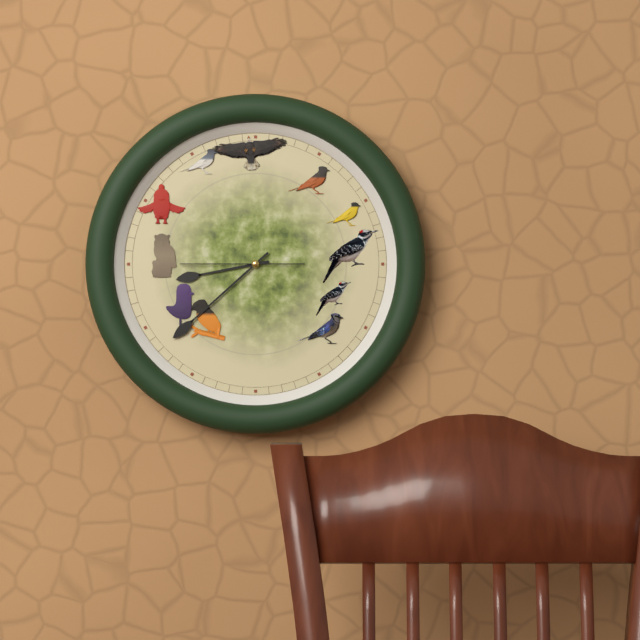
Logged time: 8:38:45
